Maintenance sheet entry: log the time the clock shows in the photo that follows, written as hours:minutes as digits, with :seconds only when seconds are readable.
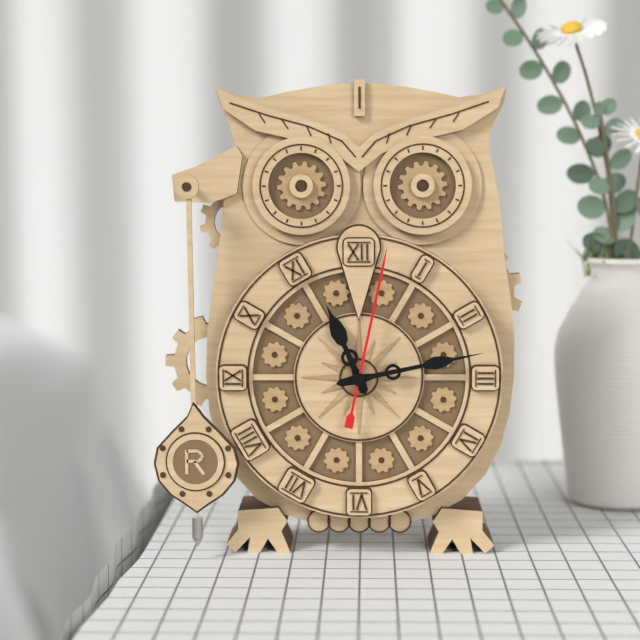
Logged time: 11:13:02
